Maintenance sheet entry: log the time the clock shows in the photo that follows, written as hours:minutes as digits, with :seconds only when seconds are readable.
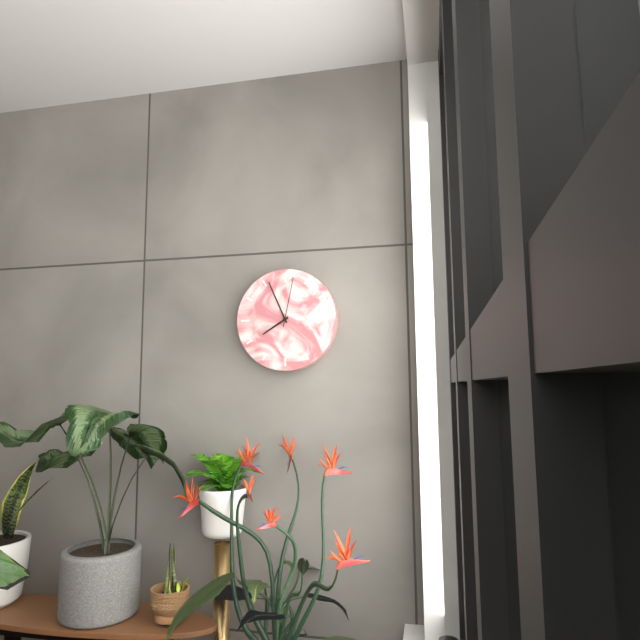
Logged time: 7:56:02
